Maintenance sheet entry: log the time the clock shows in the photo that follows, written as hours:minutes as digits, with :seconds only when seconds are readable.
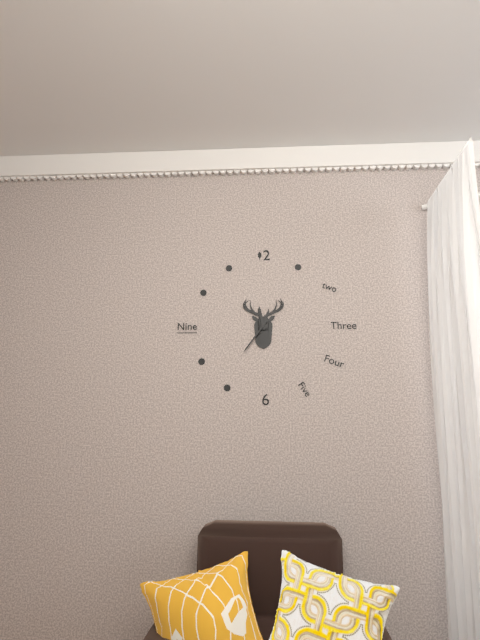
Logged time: 11:36
